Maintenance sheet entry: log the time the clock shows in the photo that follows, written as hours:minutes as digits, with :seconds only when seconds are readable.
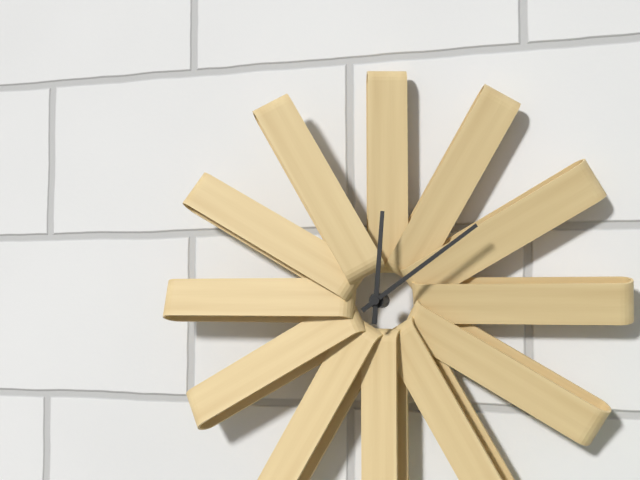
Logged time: 12:09
